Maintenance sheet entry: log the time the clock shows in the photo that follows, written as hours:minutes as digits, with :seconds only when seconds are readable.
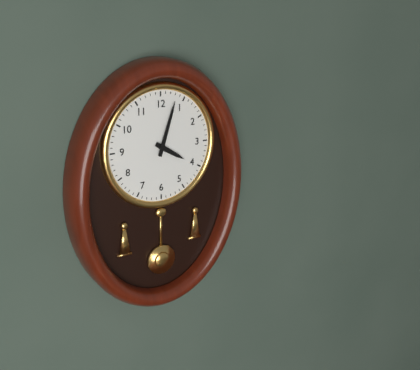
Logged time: 4:03
